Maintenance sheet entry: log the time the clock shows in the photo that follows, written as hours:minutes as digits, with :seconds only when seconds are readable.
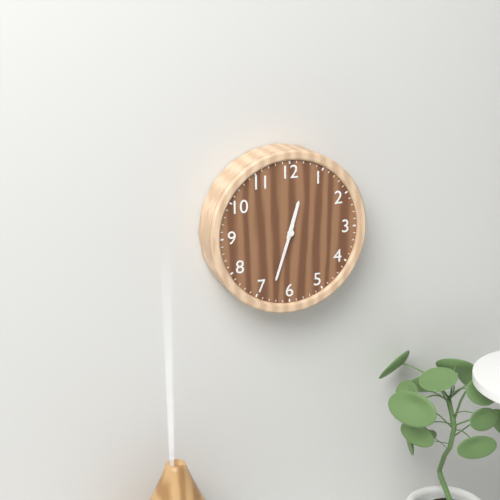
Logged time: 12:33
